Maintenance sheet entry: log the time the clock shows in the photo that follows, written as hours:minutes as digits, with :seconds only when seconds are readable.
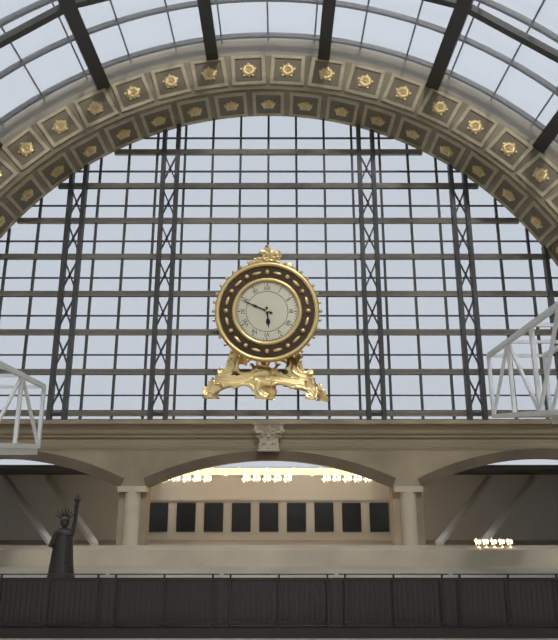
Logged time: 5:49
